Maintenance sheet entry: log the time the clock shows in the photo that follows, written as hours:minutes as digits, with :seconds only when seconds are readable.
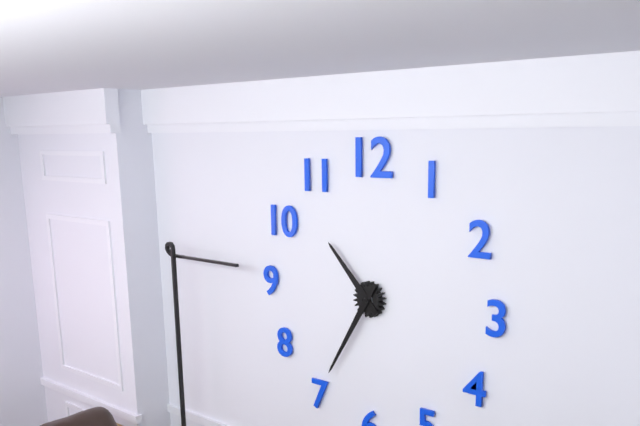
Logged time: 10:35
